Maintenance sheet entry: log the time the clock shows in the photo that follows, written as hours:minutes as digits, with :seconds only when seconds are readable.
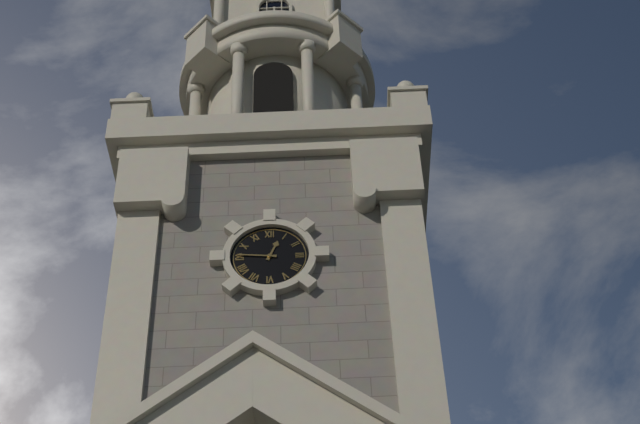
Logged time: 12:46
